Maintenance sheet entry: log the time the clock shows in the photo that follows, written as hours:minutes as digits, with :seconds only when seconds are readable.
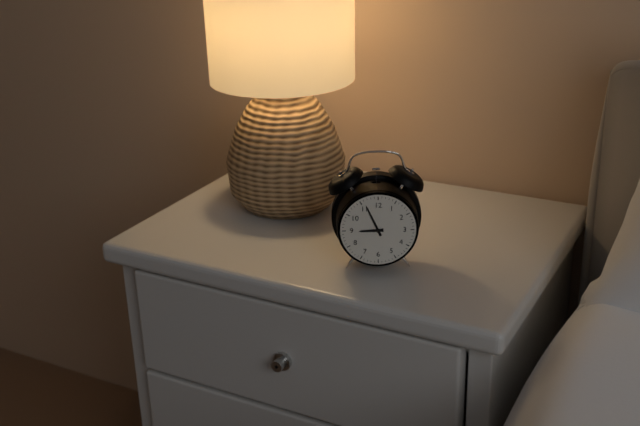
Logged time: 8:56
